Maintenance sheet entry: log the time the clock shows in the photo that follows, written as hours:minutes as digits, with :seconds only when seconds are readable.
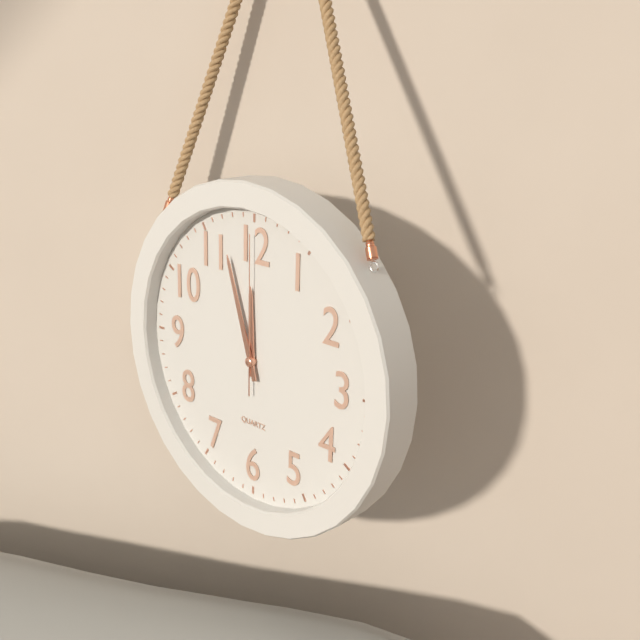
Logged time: 11:57:00
